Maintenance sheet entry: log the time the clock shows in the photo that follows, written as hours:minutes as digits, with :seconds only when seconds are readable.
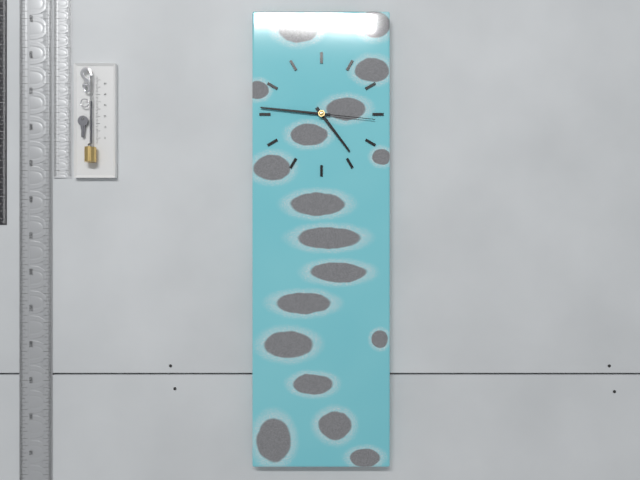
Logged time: 4:46:16
